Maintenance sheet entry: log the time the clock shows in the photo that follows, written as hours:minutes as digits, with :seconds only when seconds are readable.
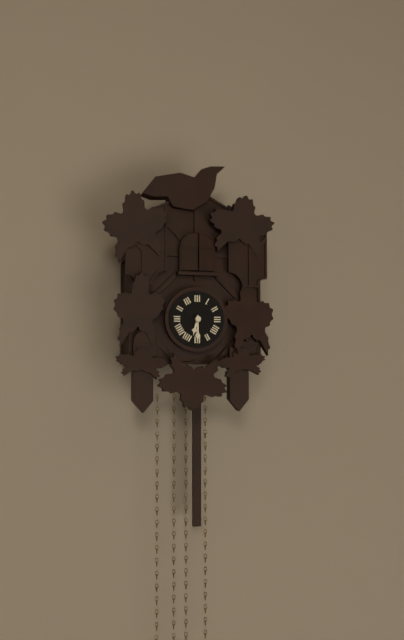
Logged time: 6:30
